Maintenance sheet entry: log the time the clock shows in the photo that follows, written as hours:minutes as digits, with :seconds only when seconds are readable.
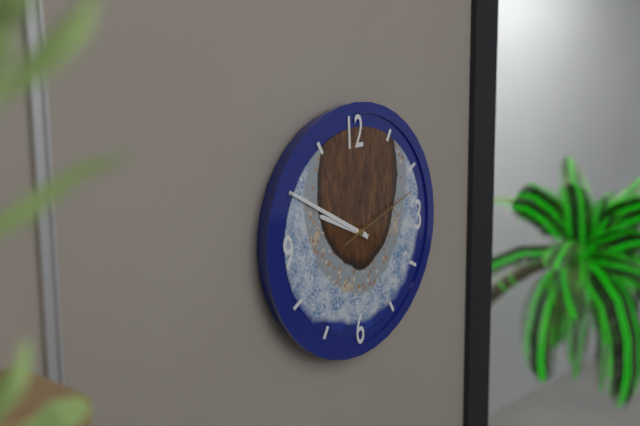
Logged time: 9:50:12
